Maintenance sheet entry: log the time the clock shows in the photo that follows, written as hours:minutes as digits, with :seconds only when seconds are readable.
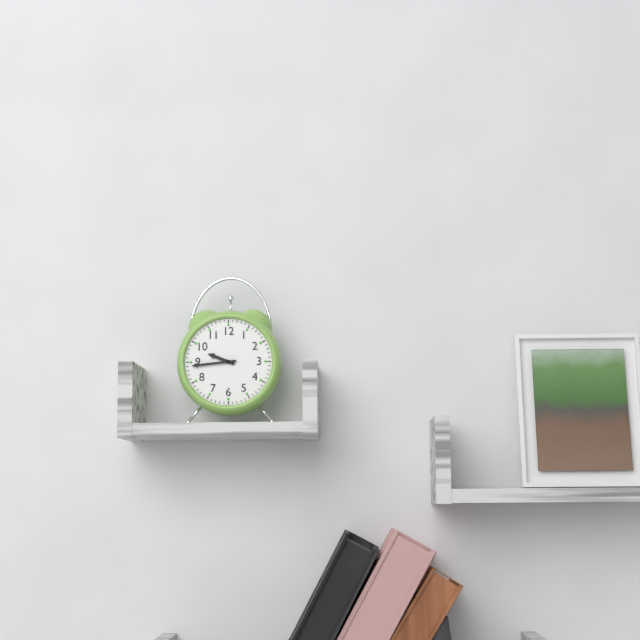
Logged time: 9:44
